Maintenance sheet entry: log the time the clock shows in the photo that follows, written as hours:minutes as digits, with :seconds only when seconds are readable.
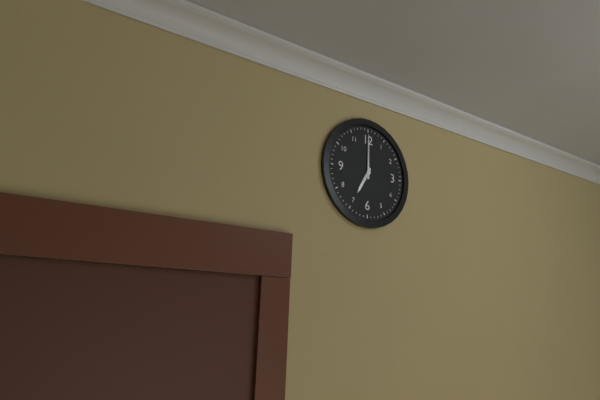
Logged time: 7:00
